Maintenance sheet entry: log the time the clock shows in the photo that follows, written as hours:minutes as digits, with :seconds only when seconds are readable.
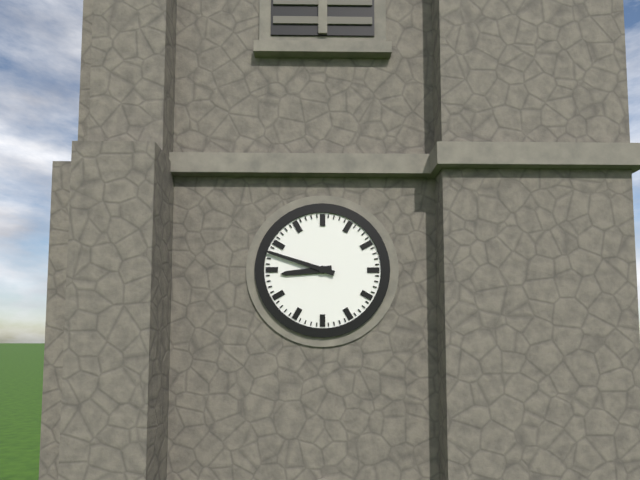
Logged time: 8:48
